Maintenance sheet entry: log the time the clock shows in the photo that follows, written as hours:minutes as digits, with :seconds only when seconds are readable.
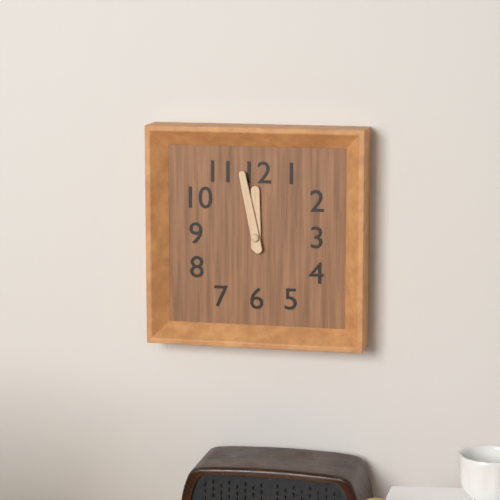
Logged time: 11:58
